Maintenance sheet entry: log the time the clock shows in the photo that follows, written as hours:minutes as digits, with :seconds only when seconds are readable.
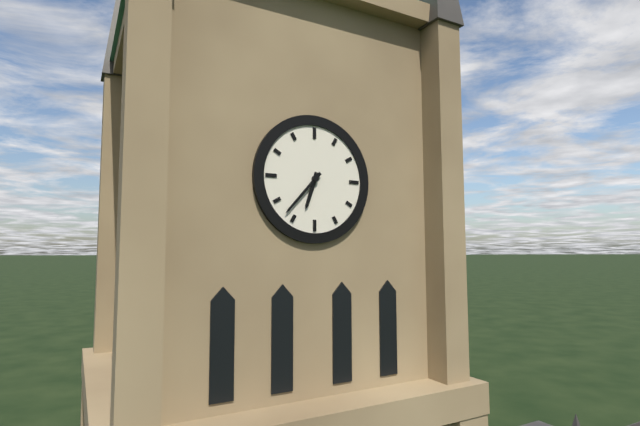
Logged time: 6:37
